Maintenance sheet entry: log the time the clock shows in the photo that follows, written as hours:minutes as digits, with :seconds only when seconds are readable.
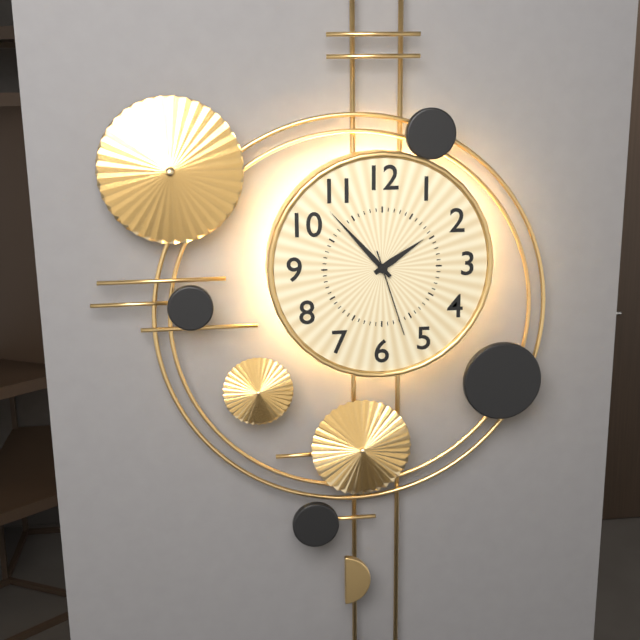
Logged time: 1:53:27
